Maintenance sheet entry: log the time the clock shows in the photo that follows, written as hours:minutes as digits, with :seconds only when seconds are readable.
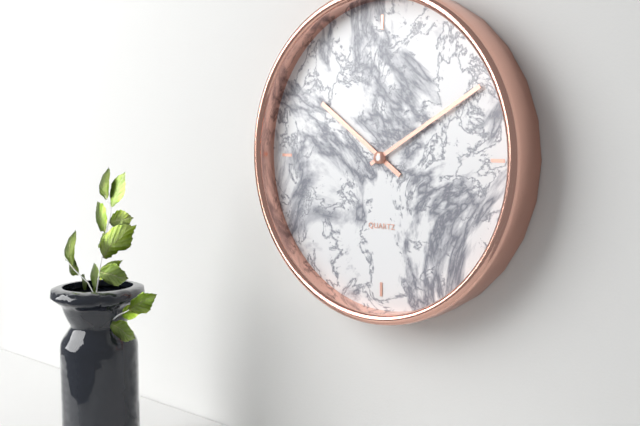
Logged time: 10:10
